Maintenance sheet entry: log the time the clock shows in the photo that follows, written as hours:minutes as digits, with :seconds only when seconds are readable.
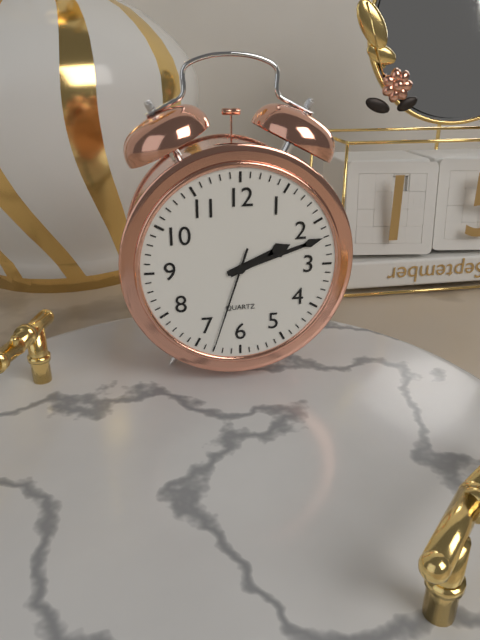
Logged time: 2:12:33
